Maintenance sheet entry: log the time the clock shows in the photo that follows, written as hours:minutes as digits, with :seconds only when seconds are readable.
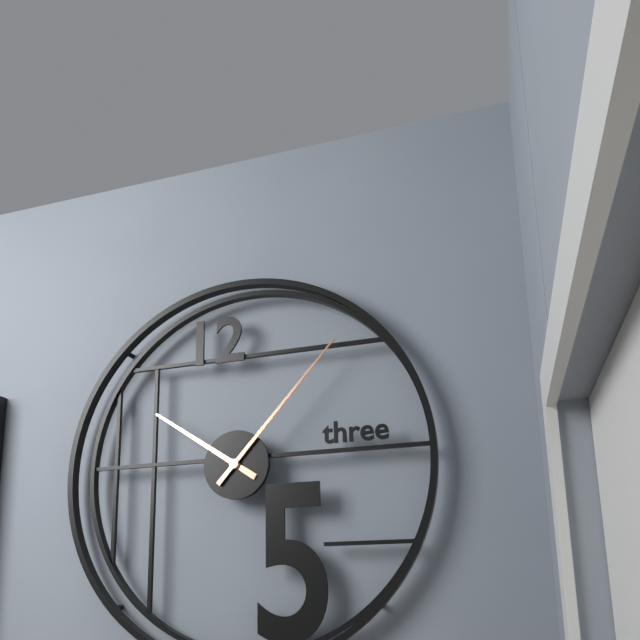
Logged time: 10:07
